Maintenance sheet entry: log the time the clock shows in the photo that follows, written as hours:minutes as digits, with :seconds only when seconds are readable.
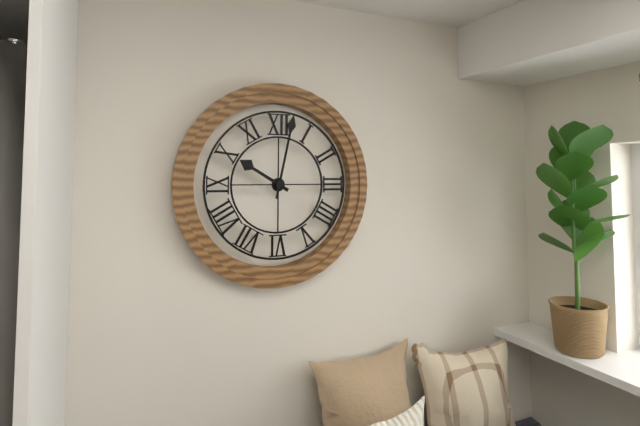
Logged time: 10:02
